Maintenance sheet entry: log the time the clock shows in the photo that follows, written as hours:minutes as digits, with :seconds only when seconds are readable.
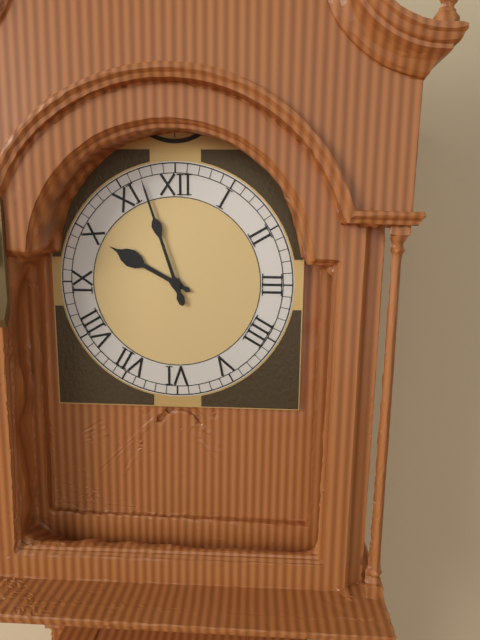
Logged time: 9:57
